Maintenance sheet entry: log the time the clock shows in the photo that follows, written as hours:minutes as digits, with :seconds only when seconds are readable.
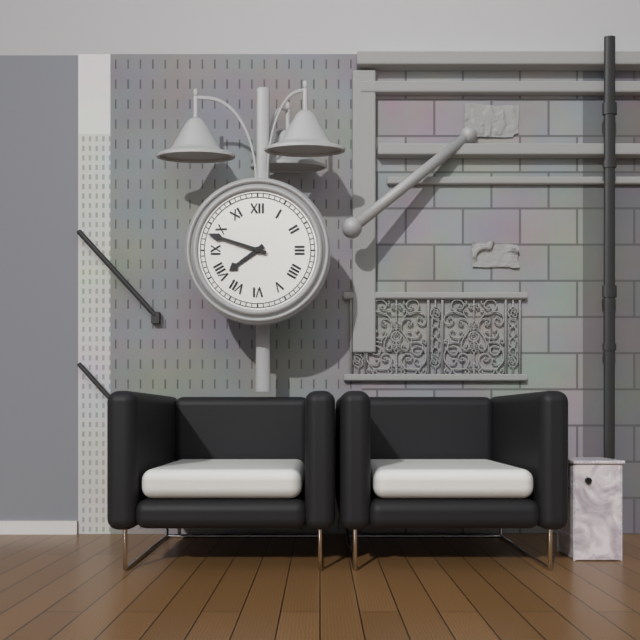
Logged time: 7:48
